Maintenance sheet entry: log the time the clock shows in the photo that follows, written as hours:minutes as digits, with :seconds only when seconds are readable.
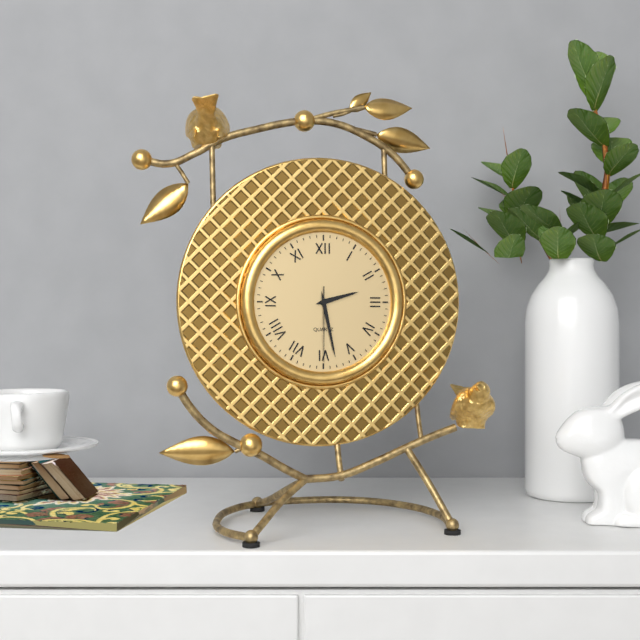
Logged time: 2:28:30
